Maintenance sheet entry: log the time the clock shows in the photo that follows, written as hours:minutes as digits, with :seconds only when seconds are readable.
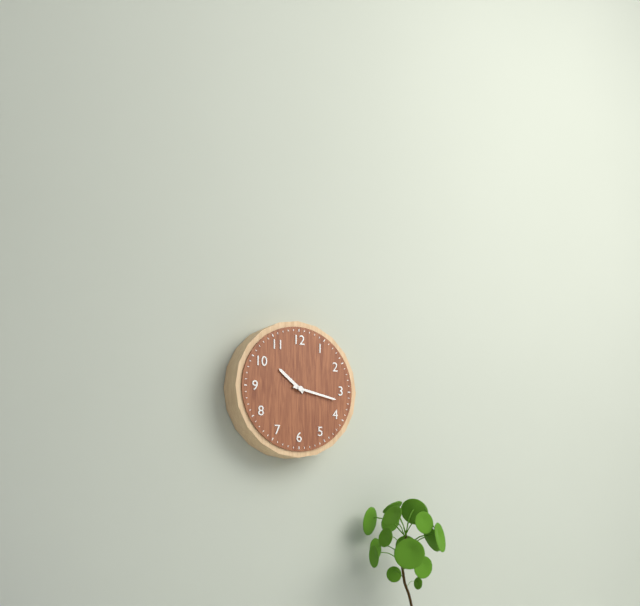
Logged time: 10:17
